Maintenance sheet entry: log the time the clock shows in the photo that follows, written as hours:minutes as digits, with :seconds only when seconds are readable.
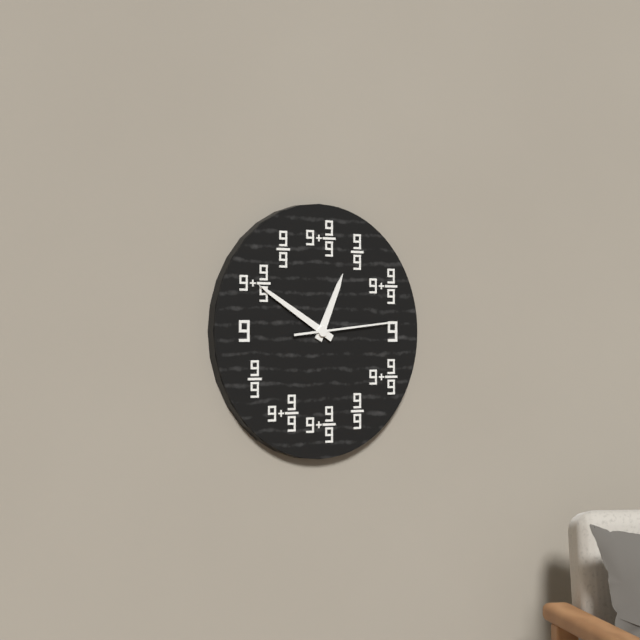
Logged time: 12:50:14
